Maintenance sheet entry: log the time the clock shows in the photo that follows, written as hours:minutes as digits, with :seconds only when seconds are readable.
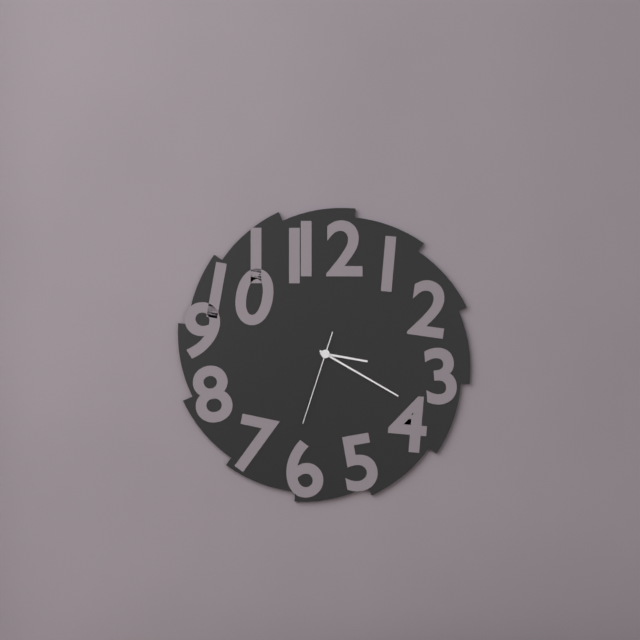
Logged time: 3:20:33
